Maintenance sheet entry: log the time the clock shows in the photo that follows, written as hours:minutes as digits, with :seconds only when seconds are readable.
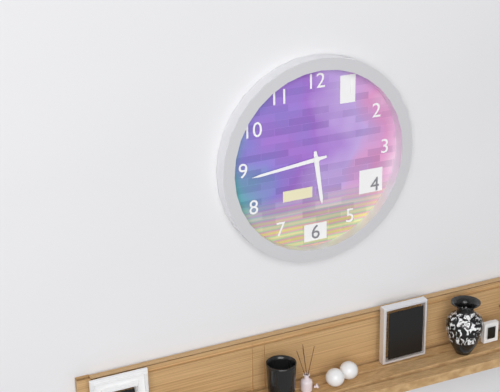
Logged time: 5:44
